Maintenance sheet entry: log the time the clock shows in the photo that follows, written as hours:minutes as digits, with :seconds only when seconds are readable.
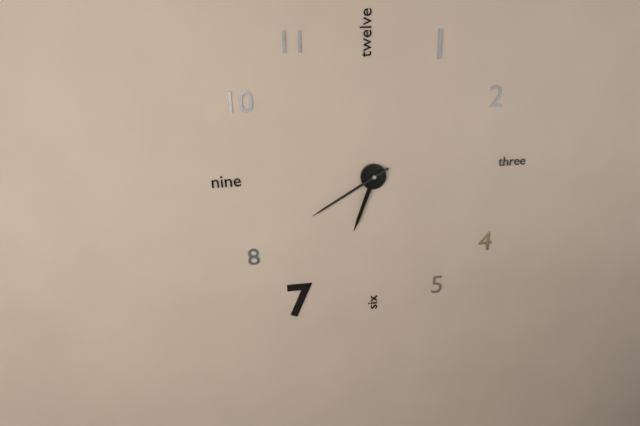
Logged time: 6:40
